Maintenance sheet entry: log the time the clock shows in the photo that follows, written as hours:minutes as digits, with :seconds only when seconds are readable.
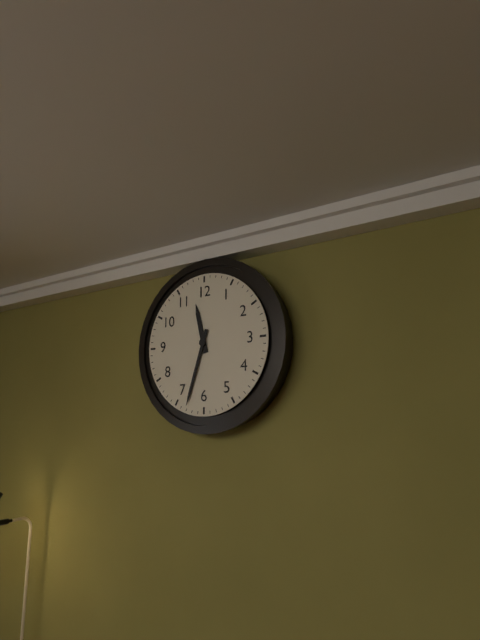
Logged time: 11:33
